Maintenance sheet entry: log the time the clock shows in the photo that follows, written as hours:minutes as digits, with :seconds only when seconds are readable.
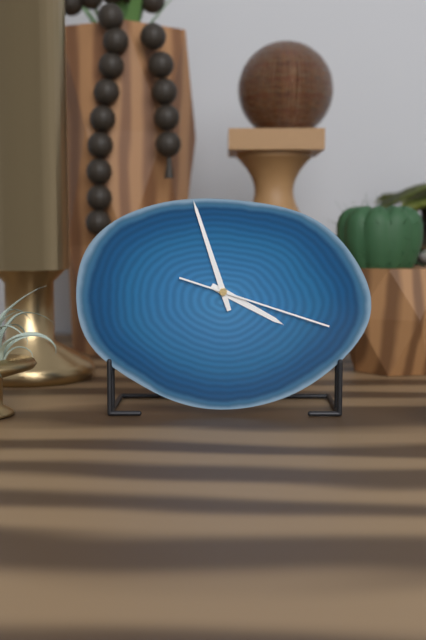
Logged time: 3:57:18
